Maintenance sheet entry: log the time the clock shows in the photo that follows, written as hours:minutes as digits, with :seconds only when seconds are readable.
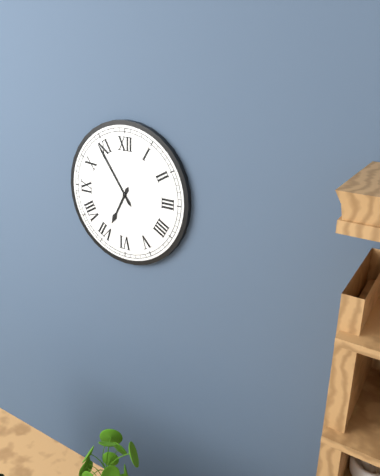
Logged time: 6:54
